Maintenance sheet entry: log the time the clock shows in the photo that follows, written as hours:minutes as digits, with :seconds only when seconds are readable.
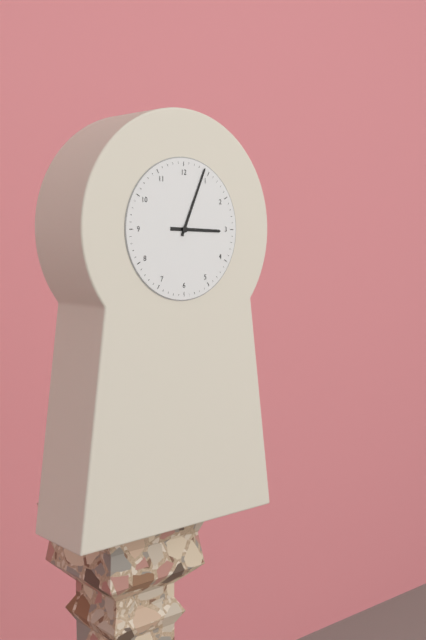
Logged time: 3:04
